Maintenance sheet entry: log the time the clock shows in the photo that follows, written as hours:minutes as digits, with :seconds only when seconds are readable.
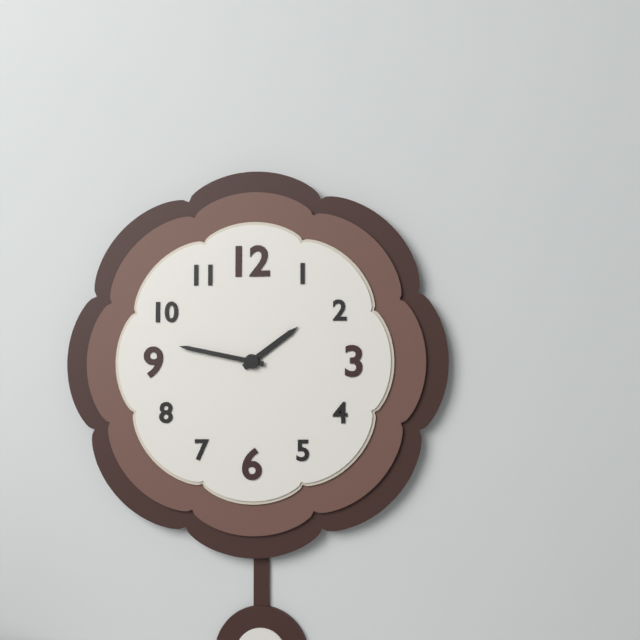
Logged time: 1:47
